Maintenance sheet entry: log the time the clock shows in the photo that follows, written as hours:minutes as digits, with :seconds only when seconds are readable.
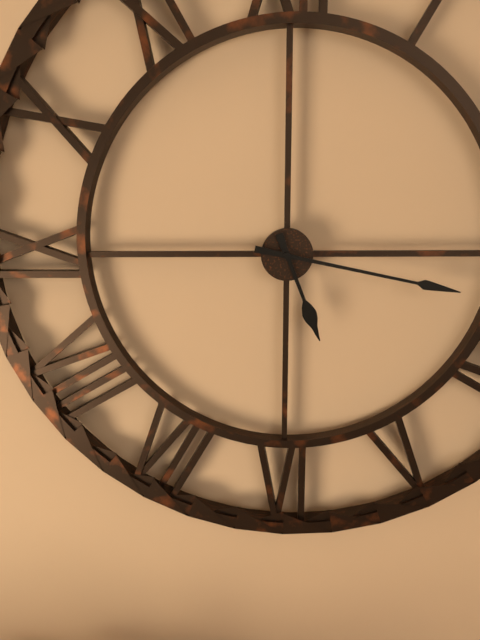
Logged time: 5:17
